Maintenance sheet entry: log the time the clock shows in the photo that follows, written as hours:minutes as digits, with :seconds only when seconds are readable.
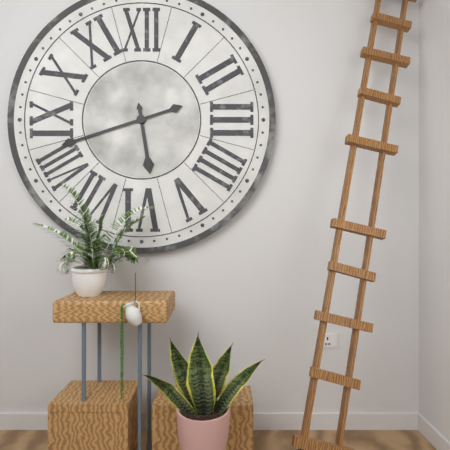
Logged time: 5:42
